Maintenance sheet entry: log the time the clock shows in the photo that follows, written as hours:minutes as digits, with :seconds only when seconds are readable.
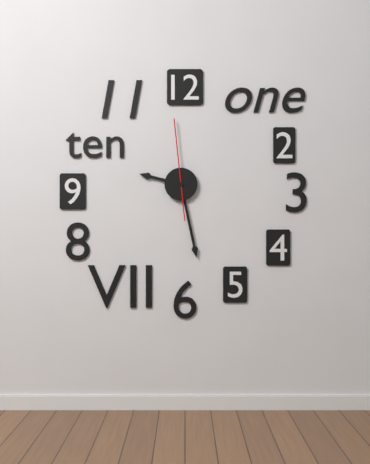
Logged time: 9:28:59
